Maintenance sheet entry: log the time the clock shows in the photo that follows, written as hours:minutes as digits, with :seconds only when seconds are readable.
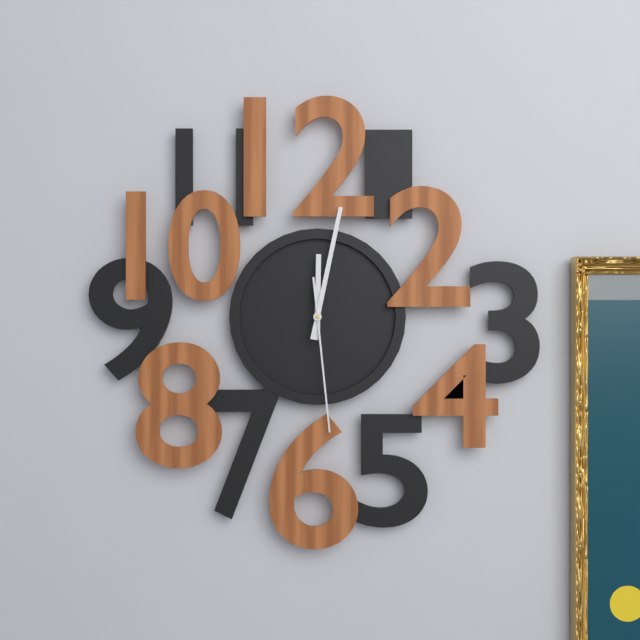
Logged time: 12:02:29
